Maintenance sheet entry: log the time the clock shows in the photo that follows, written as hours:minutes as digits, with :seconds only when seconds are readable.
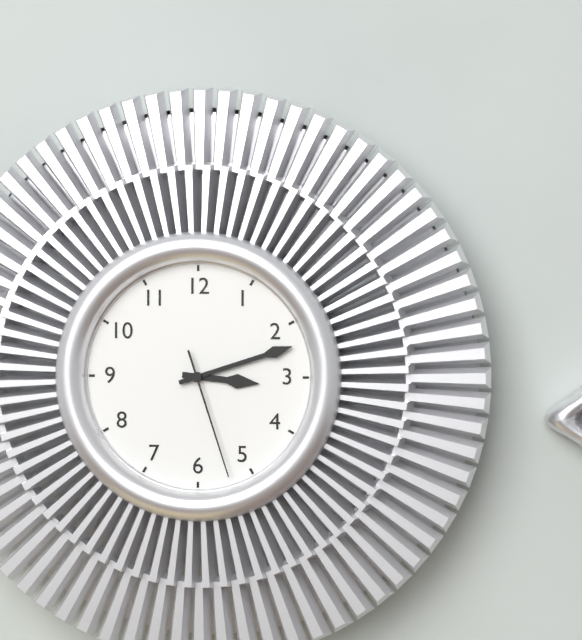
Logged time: 3:12:27
